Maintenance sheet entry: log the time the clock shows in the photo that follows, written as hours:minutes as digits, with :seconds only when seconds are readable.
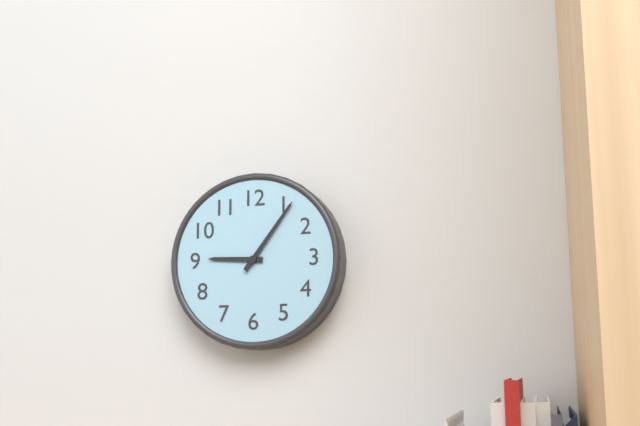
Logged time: 9:06
